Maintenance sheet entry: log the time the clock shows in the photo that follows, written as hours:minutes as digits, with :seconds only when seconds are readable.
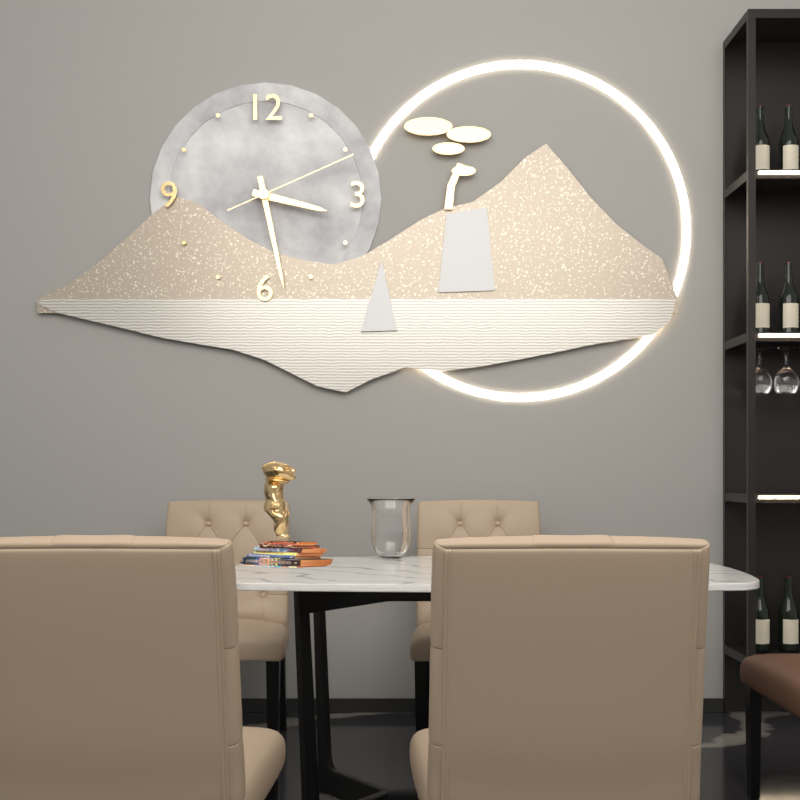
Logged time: 3:28:11
